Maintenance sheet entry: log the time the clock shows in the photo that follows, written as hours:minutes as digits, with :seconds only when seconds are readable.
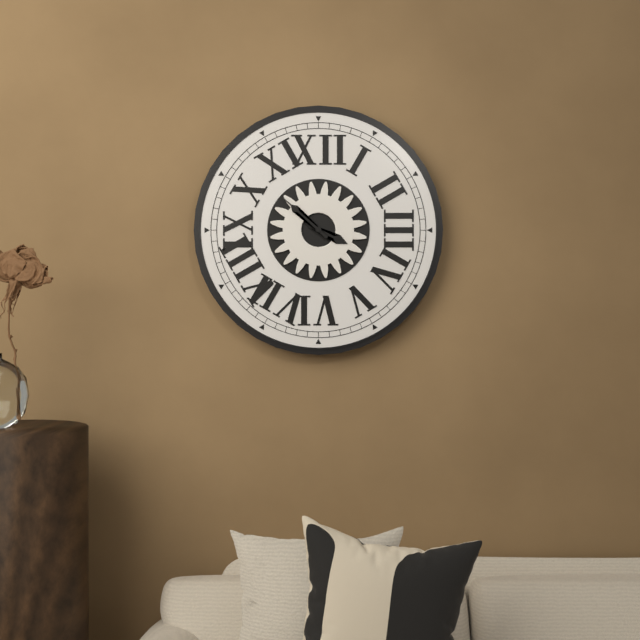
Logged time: 3:52
